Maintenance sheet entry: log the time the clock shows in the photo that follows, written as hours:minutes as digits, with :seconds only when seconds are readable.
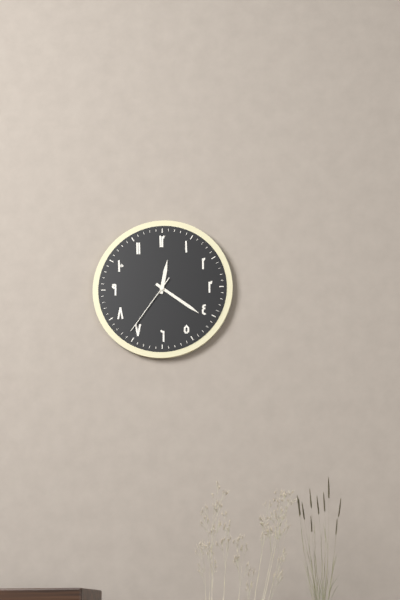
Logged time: 12:21:36
